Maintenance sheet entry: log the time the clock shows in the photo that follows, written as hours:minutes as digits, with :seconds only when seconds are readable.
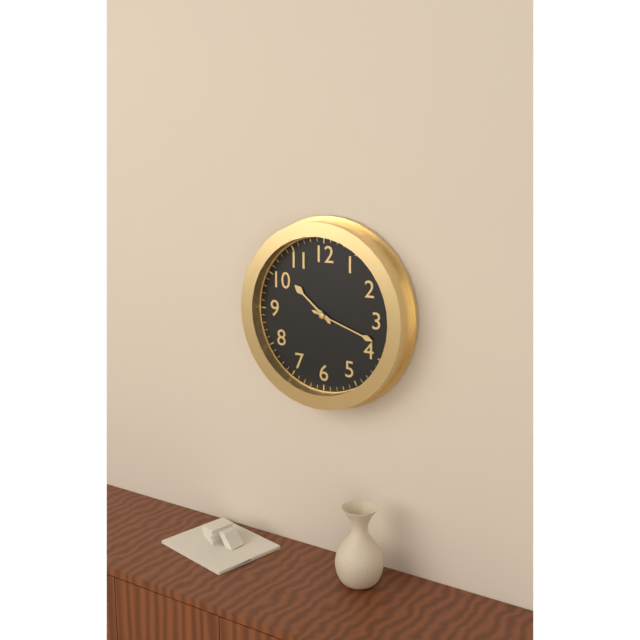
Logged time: 10:18
